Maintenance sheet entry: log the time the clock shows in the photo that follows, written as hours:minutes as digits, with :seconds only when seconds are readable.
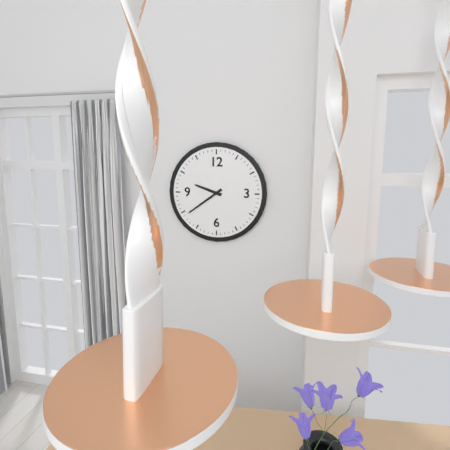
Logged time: 9:39
